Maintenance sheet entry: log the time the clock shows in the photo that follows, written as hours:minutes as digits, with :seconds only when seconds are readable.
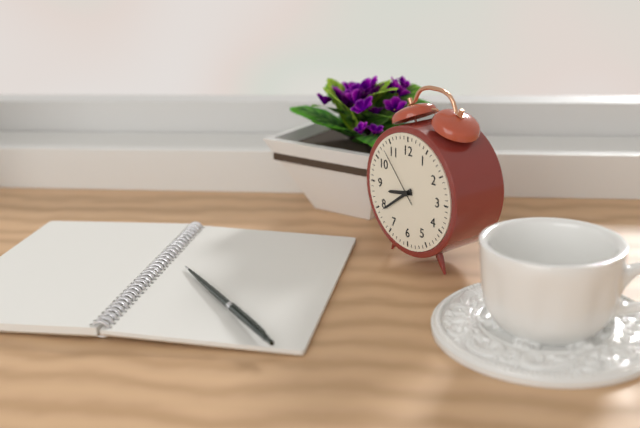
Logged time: 8:39:53
